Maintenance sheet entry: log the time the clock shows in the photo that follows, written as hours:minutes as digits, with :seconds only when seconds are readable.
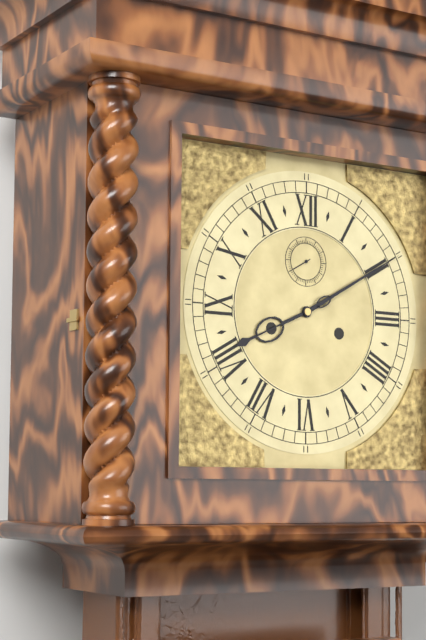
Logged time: 8:10
